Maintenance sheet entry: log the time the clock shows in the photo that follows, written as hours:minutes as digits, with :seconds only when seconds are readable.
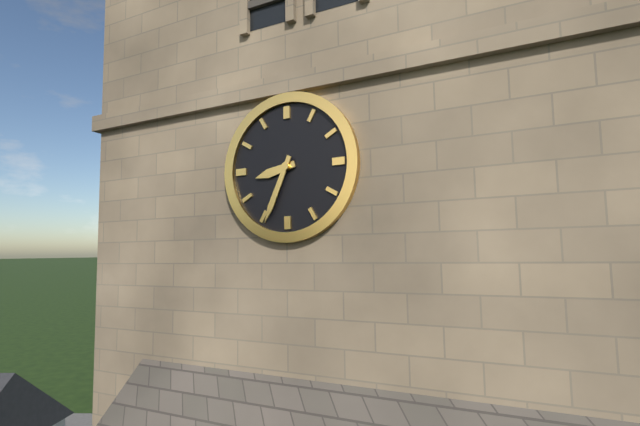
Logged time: 8:34
